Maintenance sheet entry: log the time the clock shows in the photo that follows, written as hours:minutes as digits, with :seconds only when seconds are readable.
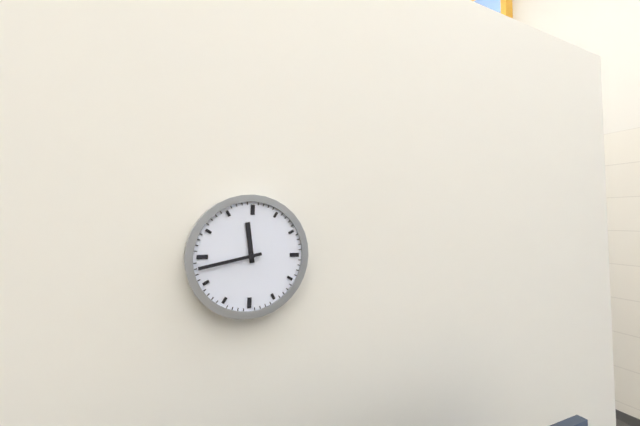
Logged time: 11:43
